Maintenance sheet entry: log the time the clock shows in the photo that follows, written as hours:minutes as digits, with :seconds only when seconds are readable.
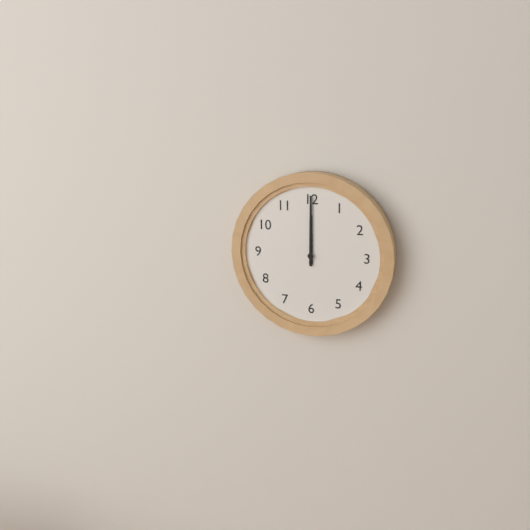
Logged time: 12:00
